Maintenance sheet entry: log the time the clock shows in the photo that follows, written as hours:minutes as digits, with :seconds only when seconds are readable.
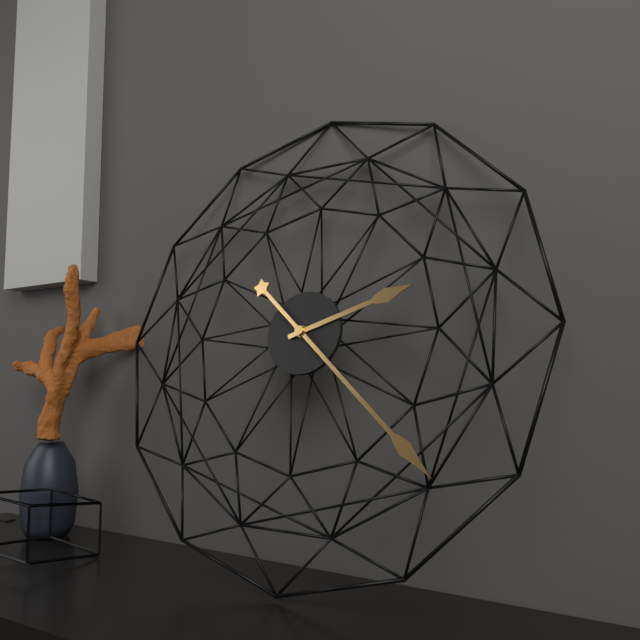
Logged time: 2:22
